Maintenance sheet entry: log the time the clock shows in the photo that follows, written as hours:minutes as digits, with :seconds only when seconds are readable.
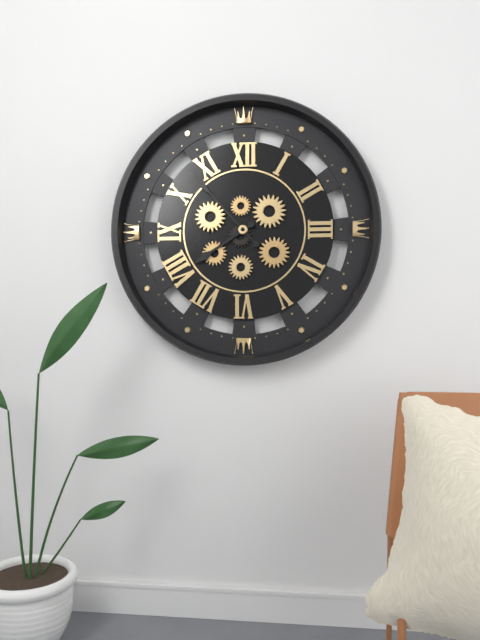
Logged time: 7:53
